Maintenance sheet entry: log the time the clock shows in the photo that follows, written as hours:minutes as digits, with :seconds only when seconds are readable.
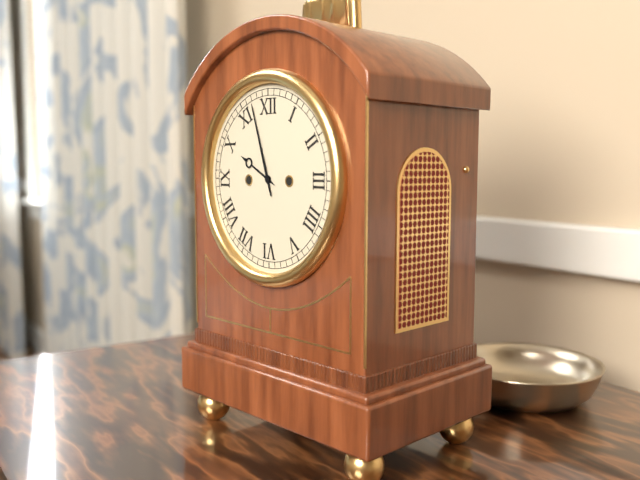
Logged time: 9:57
